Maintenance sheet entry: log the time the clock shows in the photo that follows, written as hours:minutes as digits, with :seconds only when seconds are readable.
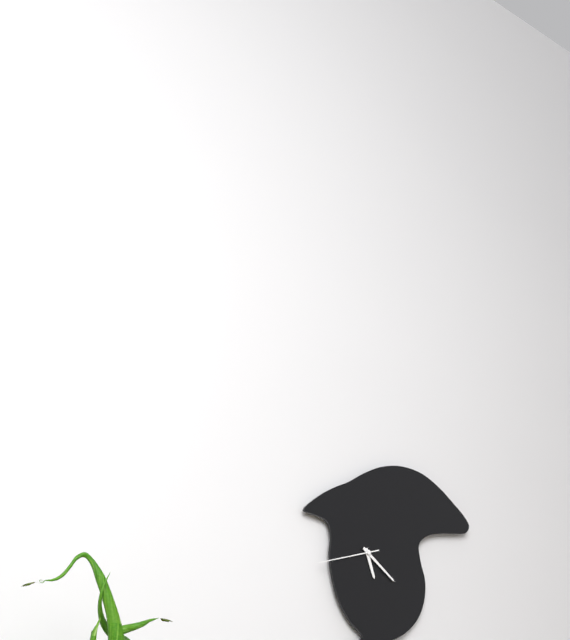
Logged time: 5:21:42
